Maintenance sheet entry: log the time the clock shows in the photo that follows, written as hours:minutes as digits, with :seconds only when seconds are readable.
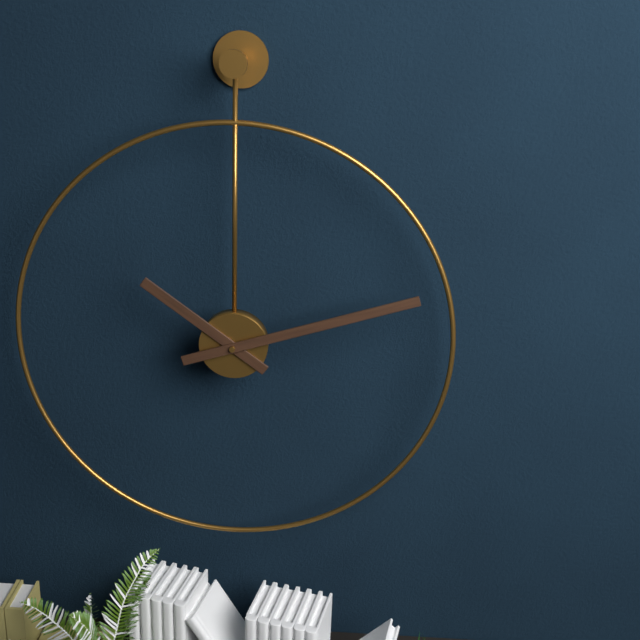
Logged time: 10:12
